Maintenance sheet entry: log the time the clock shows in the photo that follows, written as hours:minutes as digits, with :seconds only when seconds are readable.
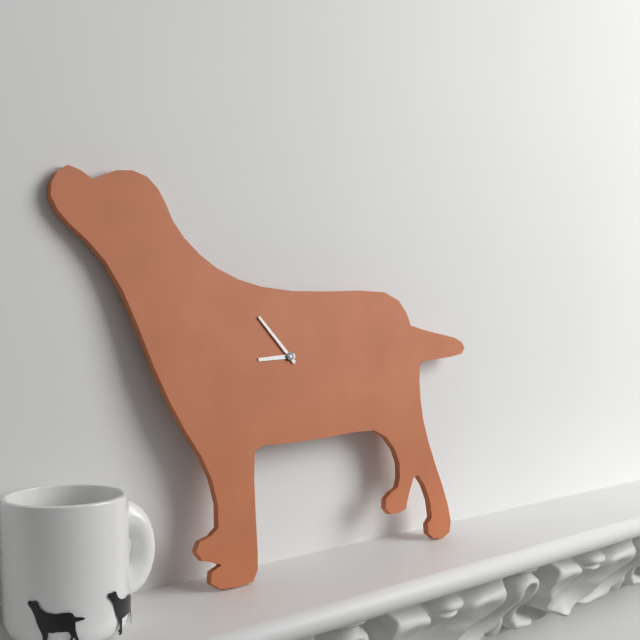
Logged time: 8:53
